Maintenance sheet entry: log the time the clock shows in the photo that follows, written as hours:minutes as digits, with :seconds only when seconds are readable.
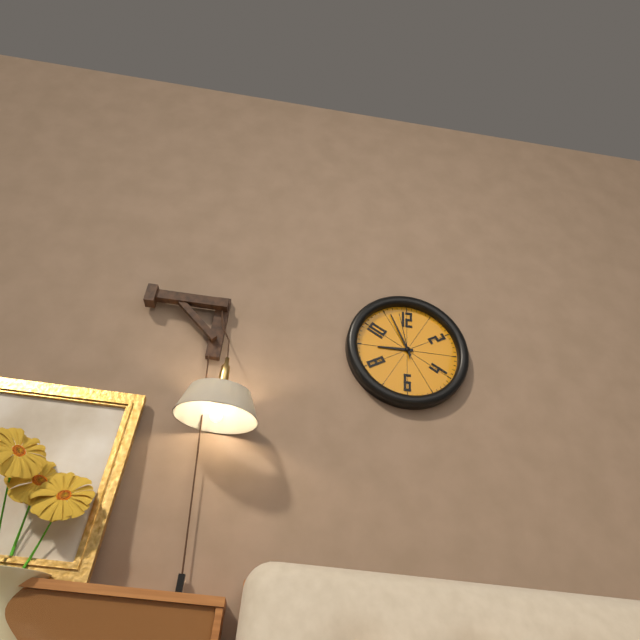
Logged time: 8:56
